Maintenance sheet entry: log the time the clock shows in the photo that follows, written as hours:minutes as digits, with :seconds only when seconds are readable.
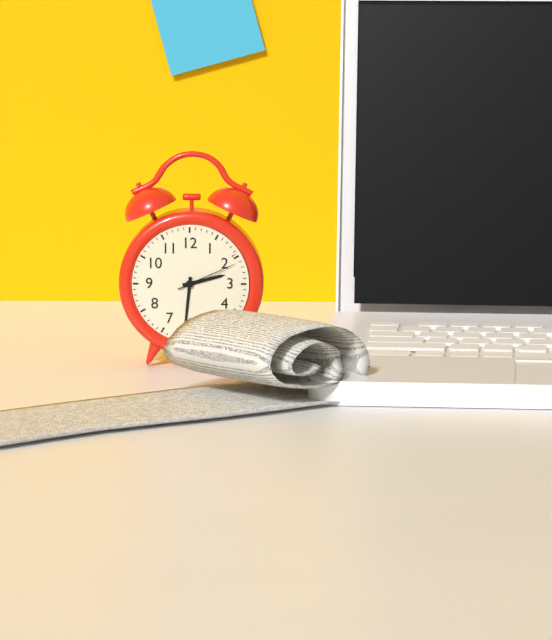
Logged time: 2:31:11
